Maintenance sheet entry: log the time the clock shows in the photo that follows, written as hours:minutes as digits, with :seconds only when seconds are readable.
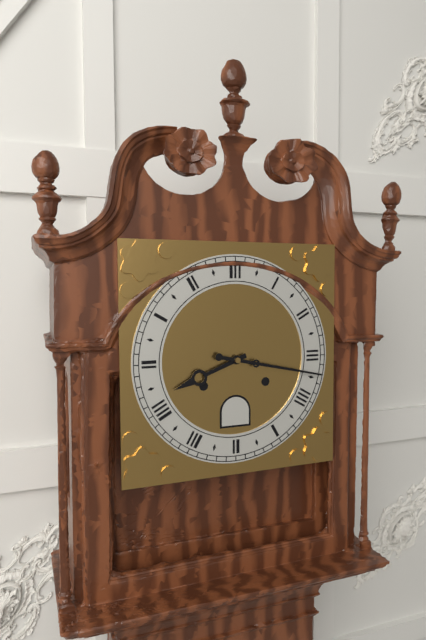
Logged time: 8:17
